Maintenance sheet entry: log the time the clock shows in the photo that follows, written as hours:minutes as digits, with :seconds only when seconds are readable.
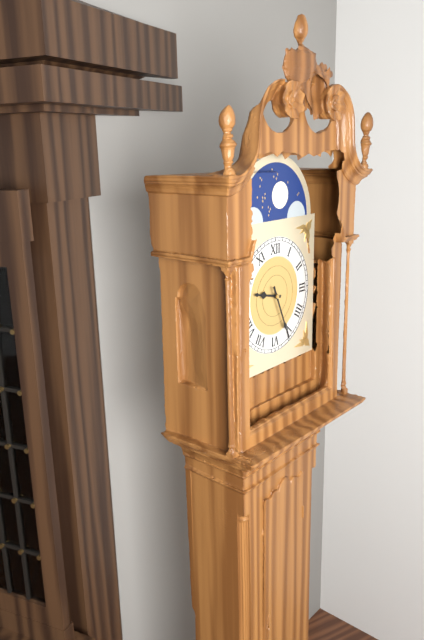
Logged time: 9:26
